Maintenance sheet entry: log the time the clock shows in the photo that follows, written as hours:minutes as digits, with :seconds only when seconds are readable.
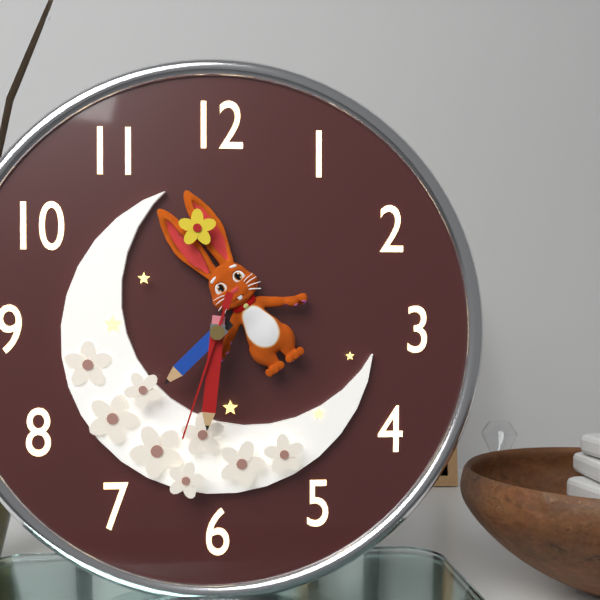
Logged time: 7:31:33
